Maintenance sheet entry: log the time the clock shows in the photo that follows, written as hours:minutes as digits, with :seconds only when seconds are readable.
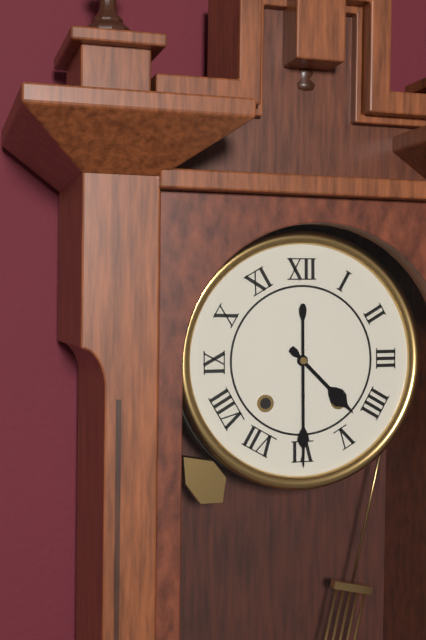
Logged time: 4:30
